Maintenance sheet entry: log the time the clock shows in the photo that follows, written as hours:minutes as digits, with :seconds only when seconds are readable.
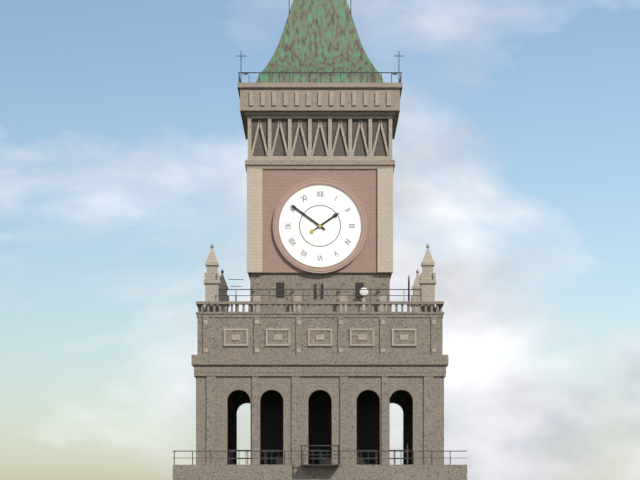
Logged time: 1:51
